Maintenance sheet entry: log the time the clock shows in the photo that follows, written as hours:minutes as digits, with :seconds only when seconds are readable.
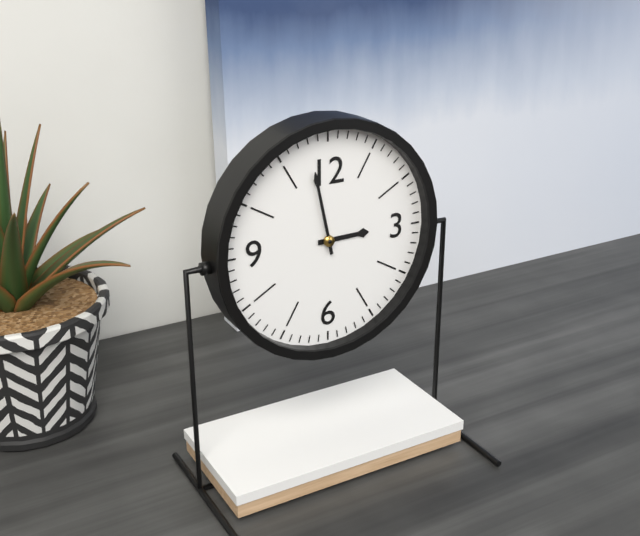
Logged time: 2:58
